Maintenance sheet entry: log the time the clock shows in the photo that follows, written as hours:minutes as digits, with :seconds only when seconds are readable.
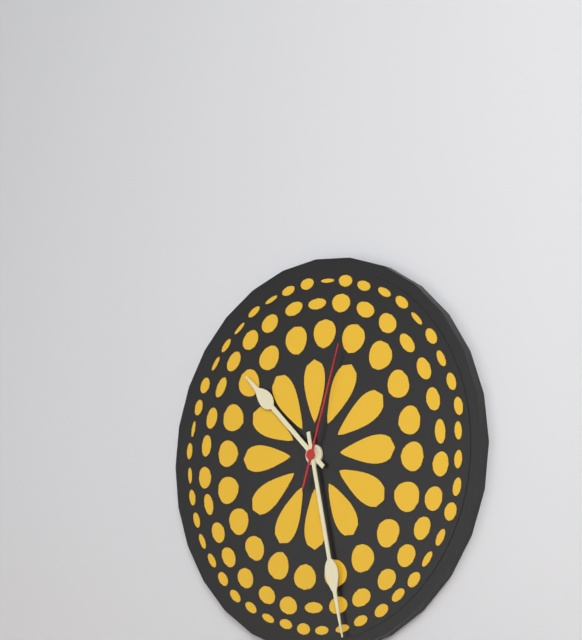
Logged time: 10:28:03
